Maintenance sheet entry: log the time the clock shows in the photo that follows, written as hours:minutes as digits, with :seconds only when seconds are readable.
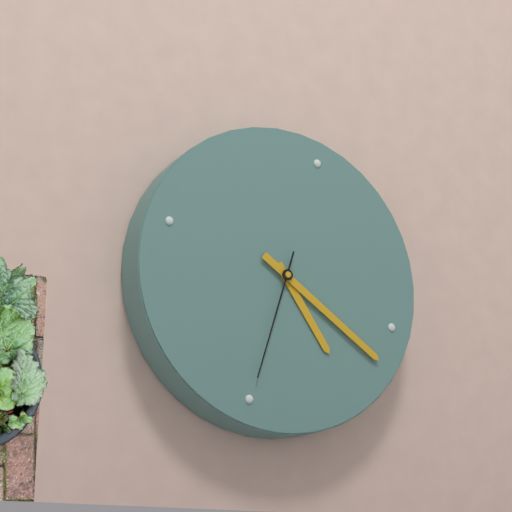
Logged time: 4:18:30
